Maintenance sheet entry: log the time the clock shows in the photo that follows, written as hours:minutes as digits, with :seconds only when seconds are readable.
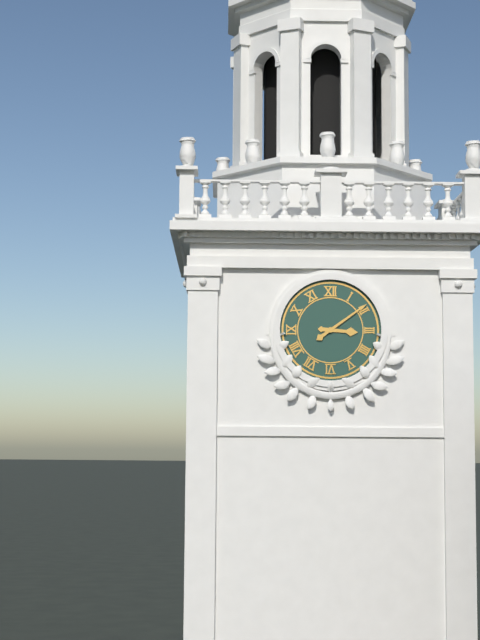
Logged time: 3:09
